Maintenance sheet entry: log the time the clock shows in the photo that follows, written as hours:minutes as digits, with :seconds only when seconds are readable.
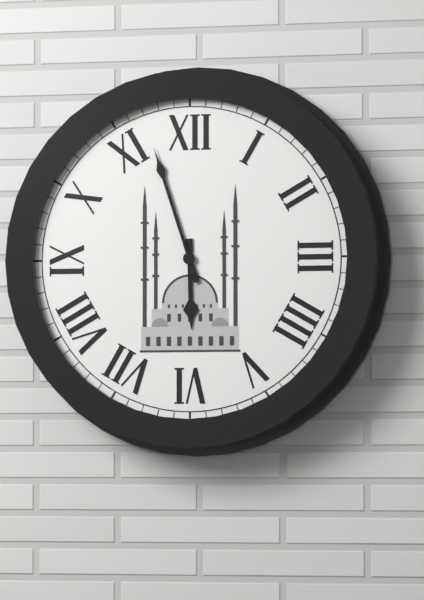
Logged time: 5:57
